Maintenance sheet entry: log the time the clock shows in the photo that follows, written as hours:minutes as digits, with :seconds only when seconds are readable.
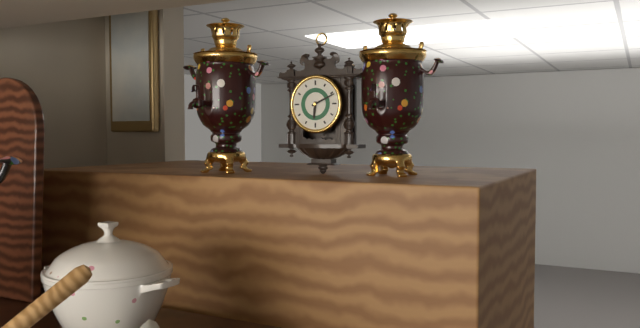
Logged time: 6:11
